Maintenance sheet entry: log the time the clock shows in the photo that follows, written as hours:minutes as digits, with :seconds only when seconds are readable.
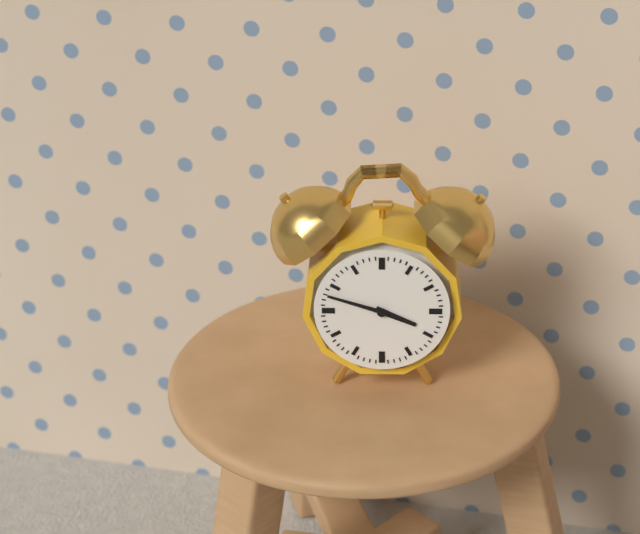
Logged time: 3:48
